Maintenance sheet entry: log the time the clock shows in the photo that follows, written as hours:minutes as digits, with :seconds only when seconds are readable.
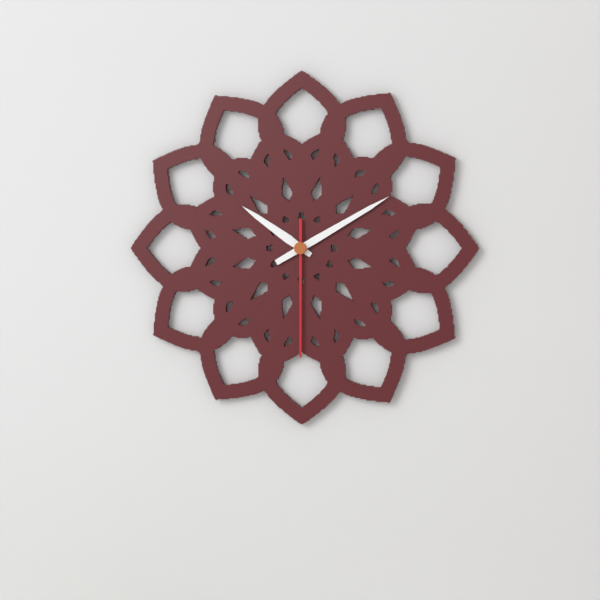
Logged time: 10:10:30
